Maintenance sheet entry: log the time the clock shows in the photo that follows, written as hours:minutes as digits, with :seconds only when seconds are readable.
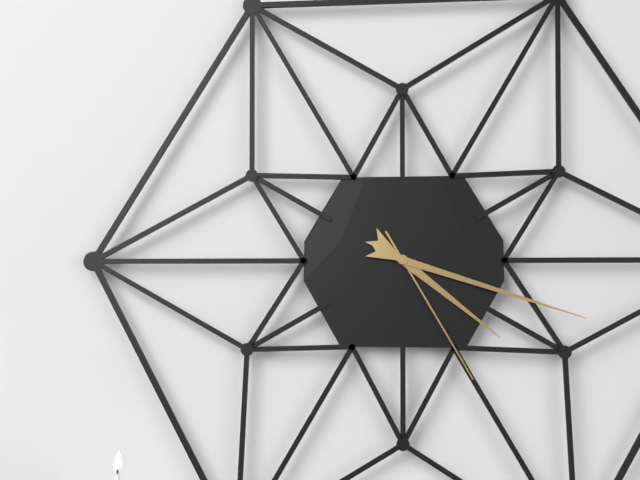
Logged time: 4:18:25
